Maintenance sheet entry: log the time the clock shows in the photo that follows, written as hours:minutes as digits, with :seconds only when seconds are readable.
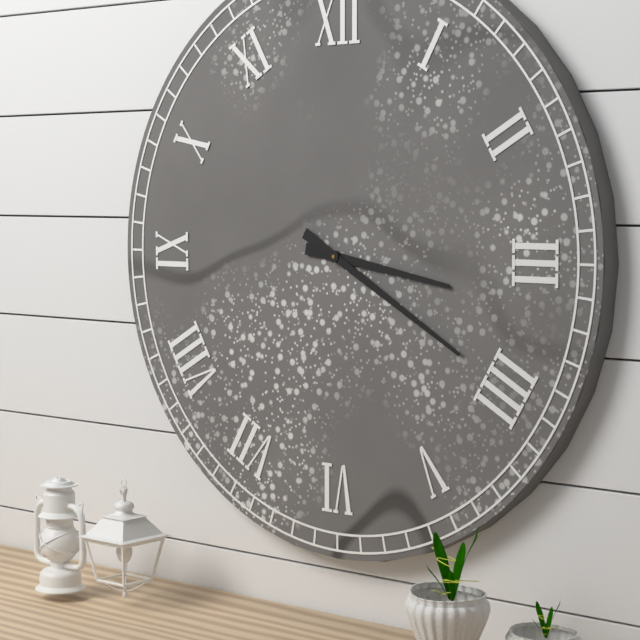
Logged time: 3:20
